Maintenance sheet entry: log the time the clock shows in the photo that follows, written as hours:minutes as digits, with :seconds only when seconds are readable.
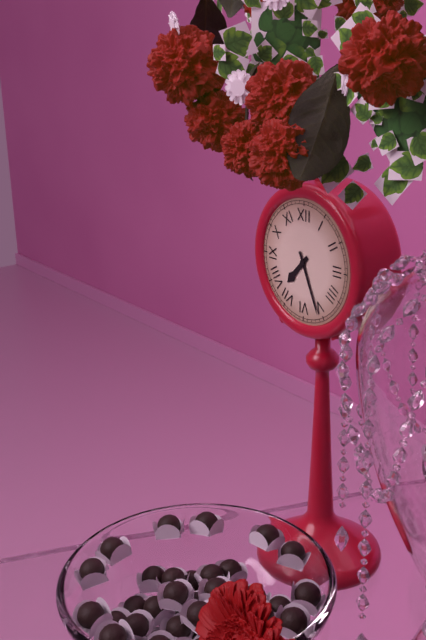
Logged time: 7:26
